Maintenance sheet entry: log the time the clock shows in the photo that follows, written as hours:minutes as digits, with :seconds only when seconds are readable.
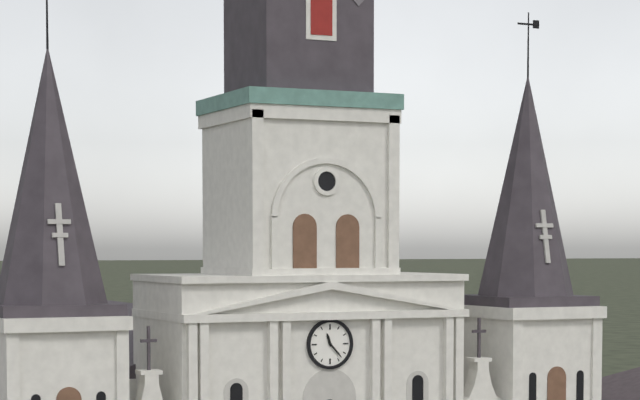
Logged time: 11:23
